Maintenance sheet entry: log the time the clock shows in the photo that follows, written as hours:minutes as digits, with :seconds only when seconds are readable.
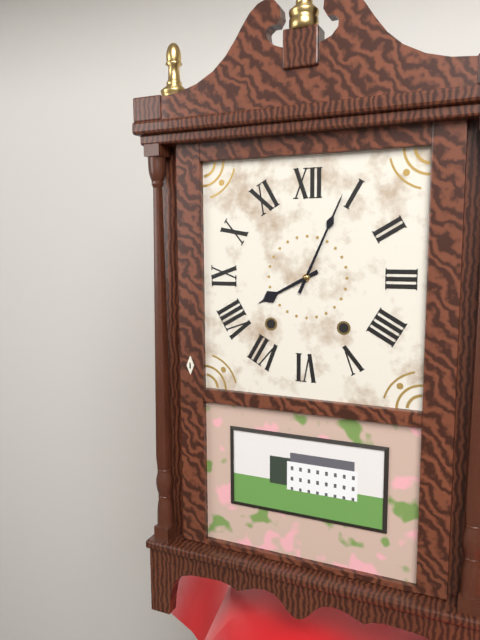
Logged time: 8:04
